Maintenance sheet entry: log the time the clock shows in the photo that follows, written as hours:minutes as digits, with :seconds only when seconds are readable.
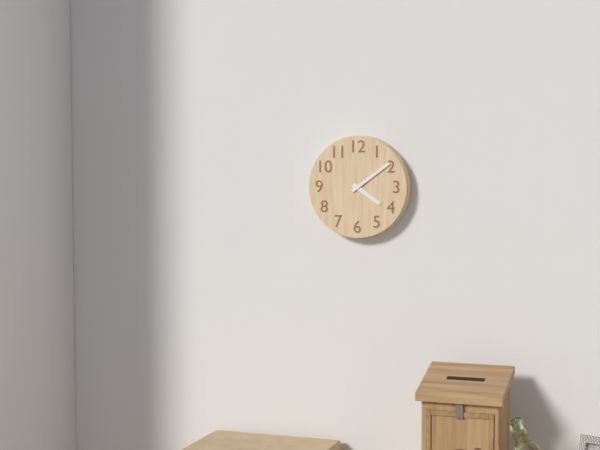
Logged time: 4:09
